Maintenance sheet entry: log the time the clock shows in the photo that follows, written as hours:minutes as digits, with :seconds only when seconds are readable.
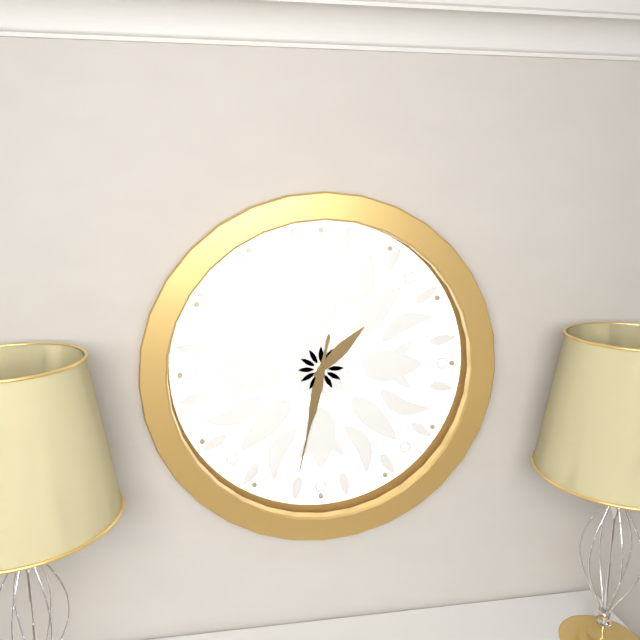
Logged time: 1:32
